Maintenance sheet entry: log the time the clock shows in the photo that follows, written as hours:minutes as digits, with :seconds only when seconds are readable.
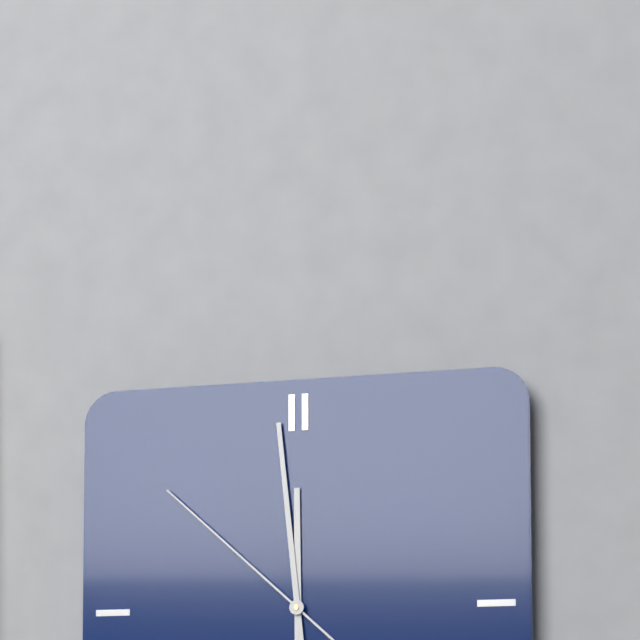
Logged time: 11:59:52
